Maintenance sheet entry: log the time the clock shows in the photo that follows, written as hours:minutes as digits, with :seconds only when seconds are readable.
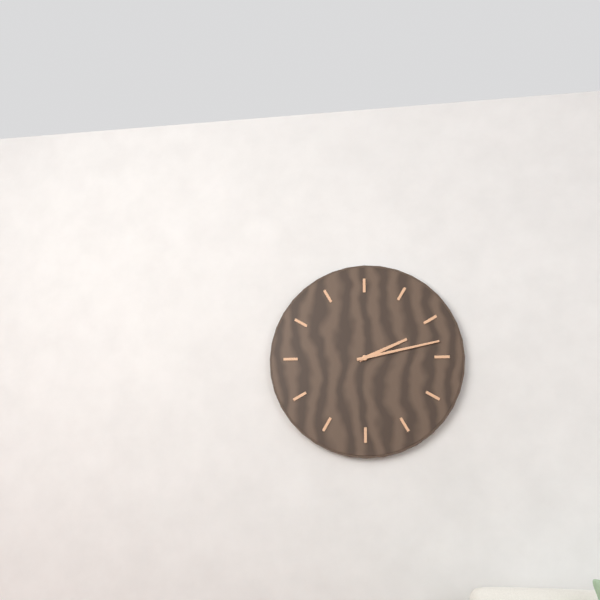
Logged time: 2:13
